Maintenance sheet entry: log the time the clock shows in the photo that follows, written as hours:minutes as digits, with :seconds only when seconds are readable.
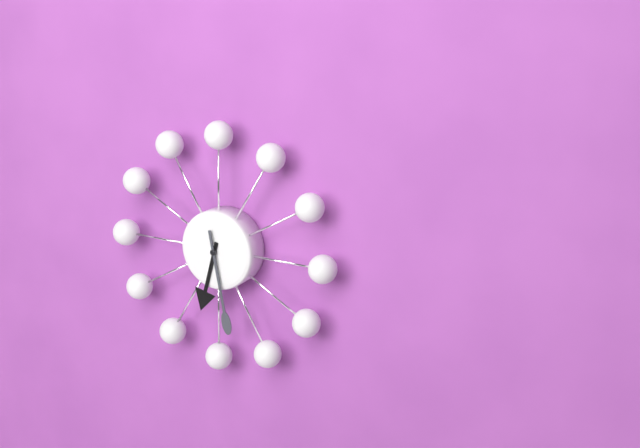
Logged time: 6:28
